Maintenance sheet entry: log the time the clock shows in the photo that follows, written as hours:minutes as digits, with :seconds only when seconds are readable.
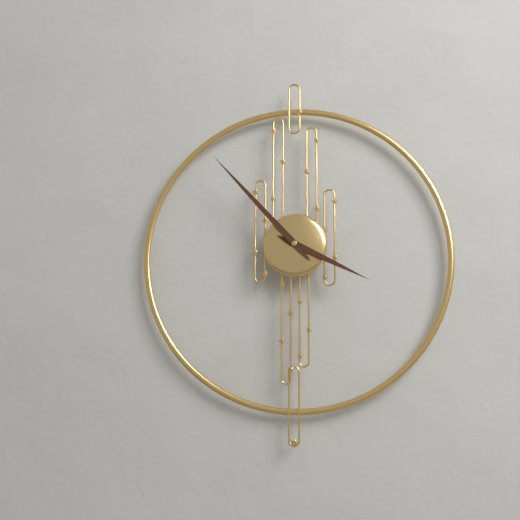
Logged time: 3:53
